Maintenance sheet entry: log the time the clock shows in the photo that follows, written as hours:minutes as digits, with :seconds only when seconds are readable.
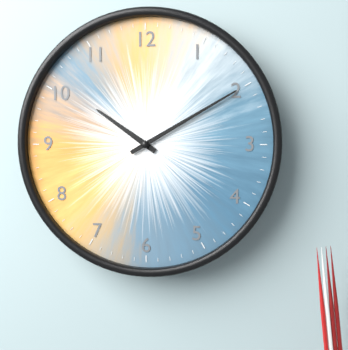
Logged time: 10:10
